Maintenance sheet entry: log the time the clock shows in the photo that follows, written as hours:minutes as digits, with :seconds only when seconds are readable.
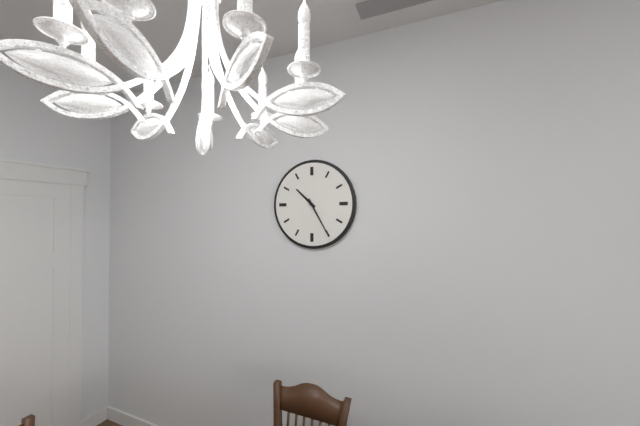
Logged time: 10:25
